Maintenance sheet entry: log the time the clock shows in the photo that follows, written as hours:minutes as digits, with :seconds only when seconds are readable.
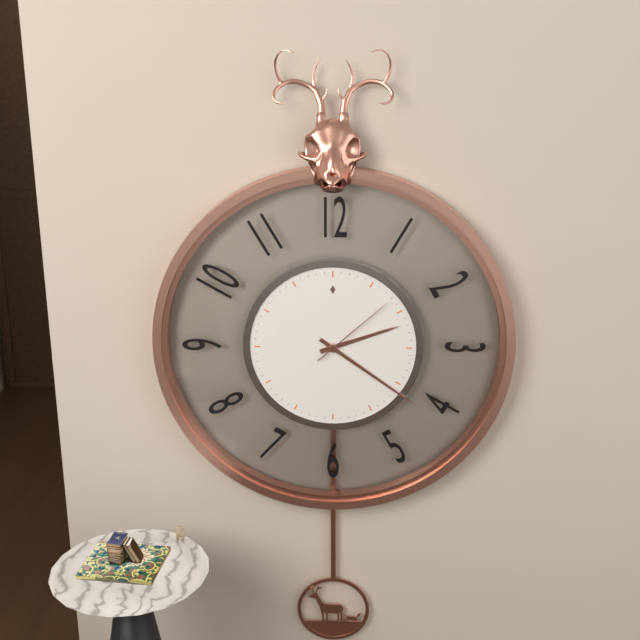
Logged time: 2:21:08
